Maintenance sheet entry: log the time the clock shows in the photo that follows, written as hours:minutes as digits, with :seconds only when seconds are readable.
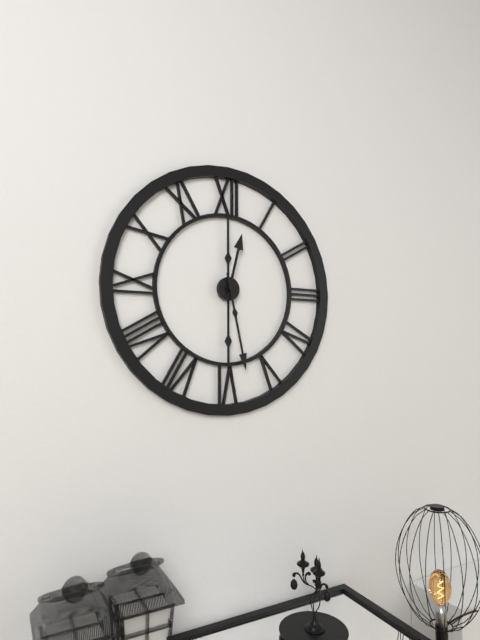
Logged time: 12:28
